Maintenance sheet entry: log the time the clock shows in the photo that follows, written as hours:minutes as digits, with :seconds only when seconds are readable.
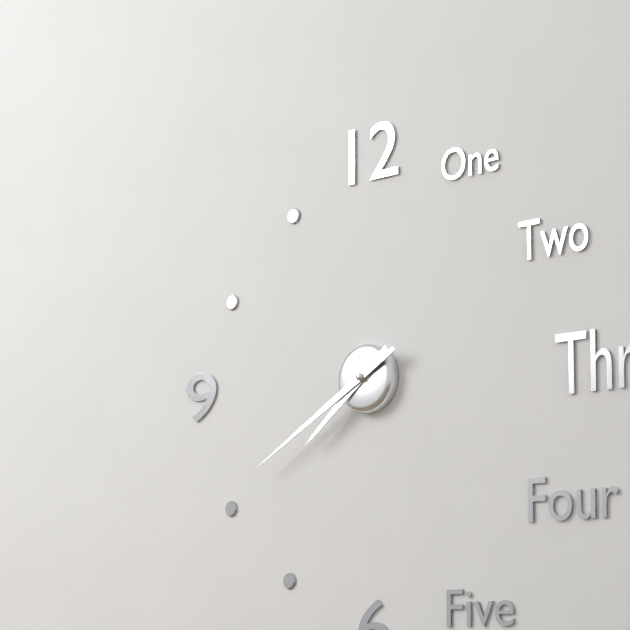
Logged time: 7:40
